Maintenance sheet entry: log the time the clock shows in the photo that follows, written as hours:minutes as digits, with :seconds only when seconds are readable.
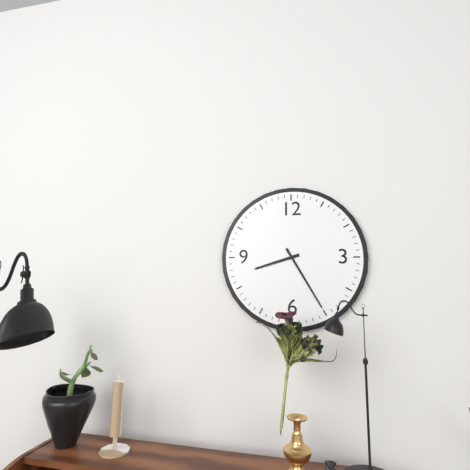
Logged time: 8:25
